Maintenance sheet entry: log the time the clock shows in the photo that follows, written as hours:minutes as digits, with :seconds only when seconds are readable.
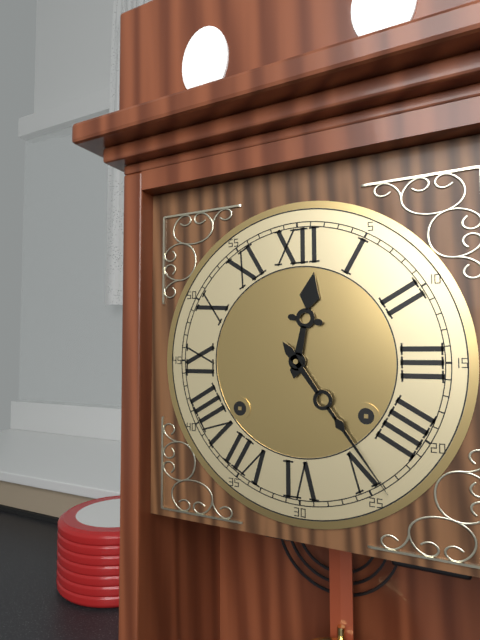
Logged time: 12:24
